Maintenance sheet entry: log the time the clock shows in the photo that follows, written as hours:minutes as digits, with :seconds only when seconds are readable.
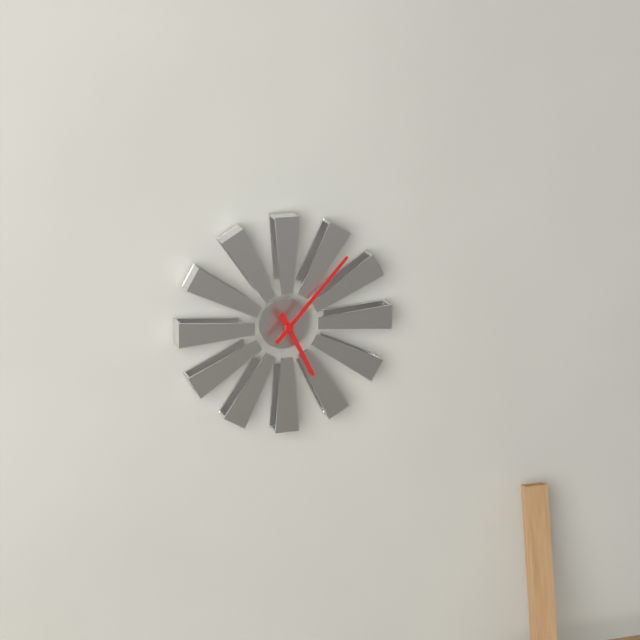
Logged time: 5:07
